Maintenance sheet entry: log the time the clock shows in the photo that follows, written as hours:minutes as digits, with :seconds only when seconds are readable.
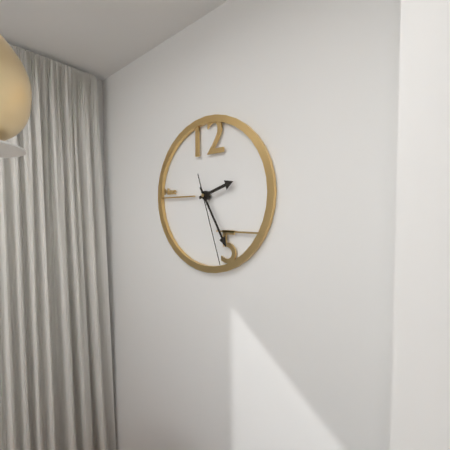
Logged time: 2:25:27
